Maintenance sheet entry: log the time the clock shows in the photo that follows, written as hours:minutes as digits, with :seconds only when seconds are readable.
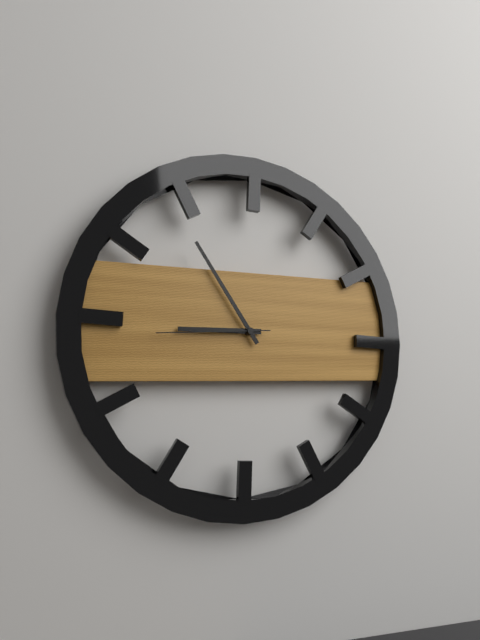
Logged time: 8:54:44
